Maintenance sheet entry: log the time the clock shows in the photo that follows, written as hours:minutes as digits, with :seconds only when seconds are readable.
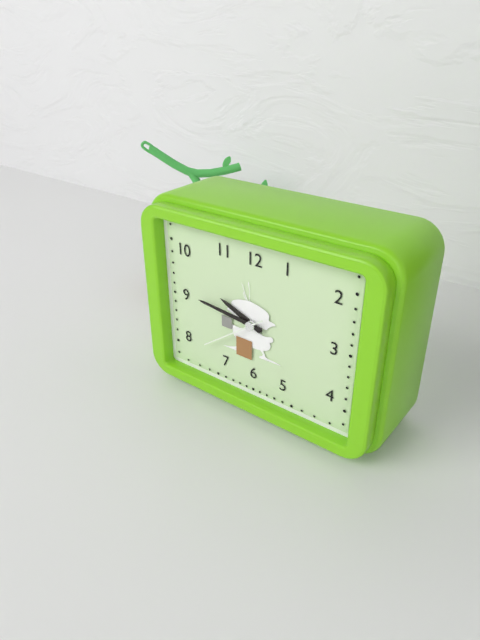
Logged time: 9:46:39
